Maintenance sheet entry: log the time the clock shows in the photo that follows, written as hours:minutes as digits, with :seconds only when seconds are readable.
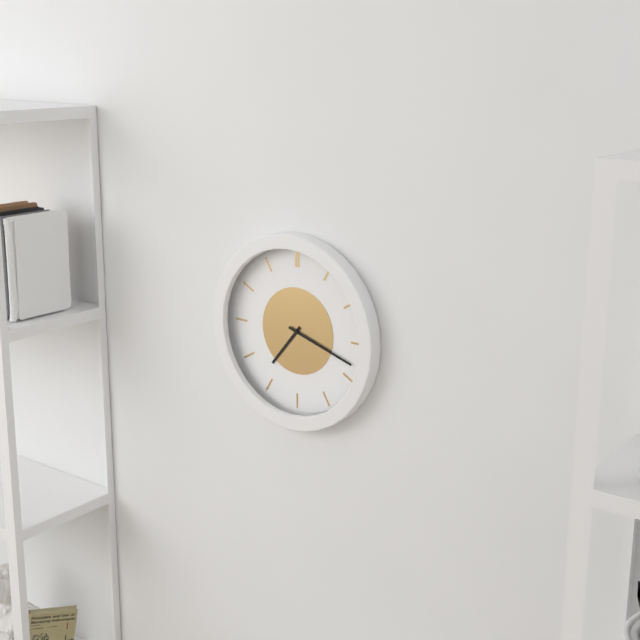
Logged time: 7:18
